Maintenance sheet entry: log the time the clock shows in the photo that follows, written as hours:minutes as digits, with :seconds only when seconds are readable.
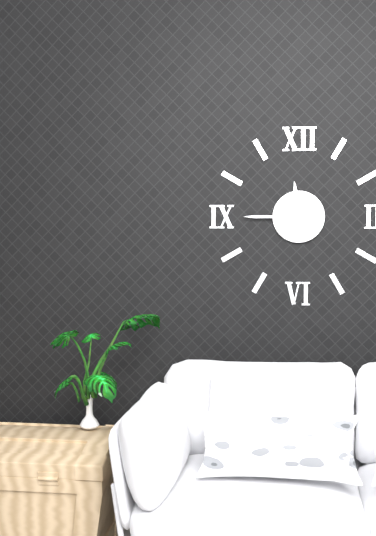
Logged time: 11:45
